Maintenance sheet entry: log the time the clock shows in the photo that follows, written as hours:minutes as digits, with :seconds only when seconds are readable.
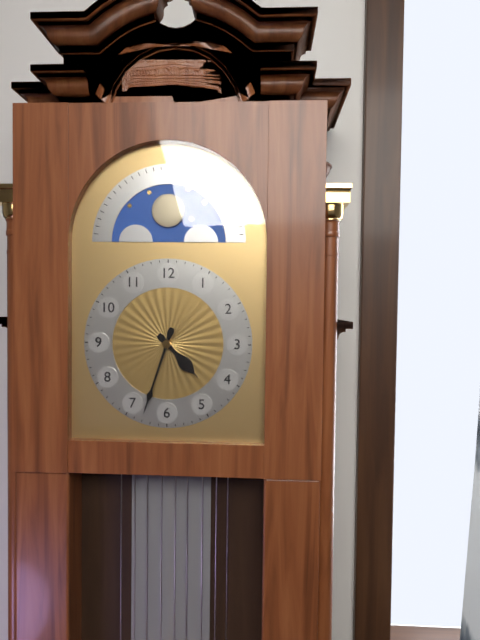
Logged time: 4:33
